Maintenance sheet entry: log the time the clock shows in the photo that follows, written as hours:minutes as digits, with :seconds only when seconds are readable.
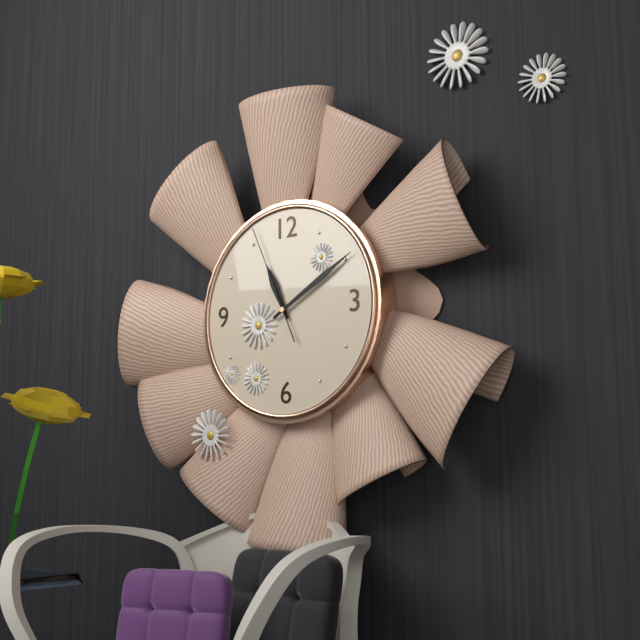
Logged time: 11:10:56
